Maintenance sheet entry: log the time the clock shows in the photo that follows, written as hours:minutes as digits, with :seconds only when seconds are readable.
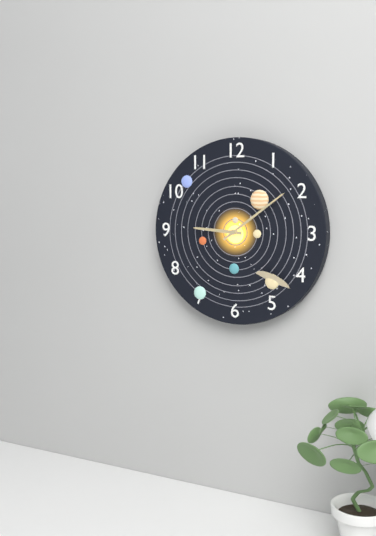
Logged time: 9:09
